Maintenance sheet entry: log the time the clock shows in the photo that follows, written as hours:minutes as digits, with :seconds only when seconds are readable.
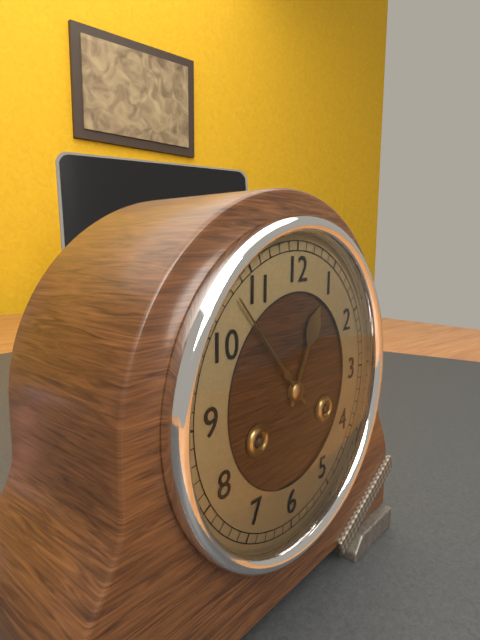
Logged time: 12:53
